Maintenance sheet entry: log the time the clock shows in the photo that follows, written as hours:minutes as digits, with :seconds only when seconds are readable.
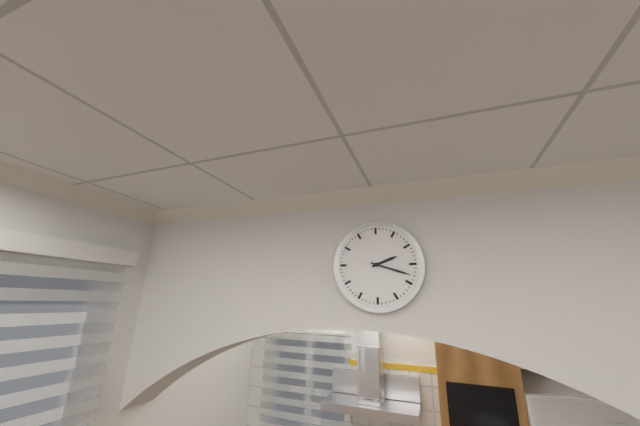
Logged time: 2:18
